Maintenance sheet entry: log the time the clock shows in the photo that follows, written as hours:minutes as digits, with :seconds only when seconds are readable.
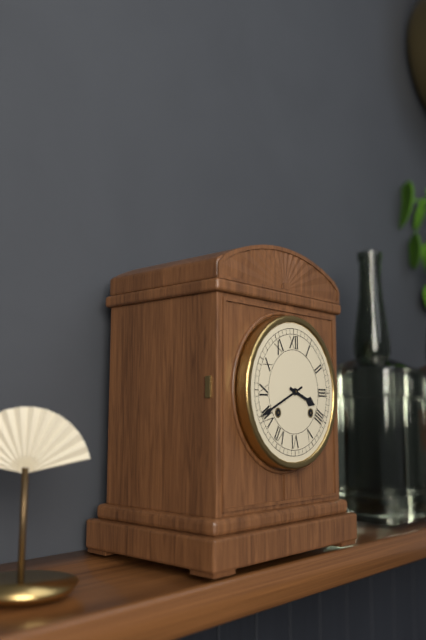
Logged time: 3:41
